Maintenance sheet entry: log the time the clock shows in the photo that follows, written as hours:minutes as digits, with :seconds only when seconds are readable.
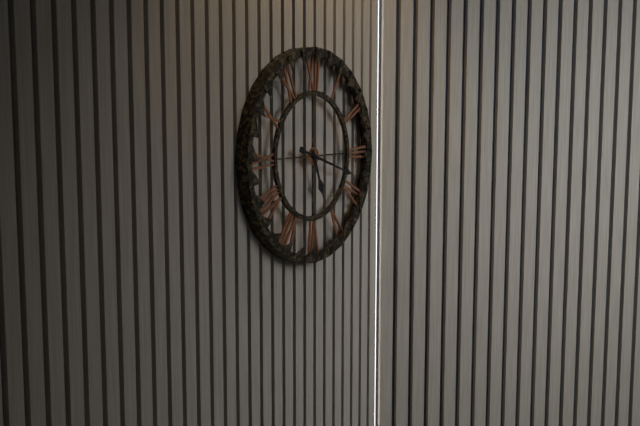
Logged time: 5:18
